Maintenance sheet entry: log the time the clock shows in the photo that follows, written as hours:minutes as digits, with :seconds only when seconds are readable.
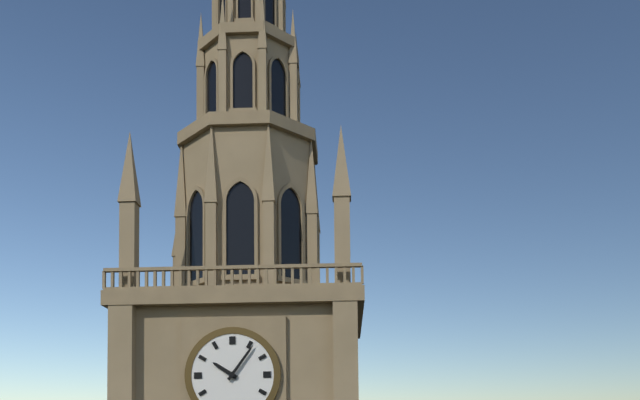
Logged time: 10:06
